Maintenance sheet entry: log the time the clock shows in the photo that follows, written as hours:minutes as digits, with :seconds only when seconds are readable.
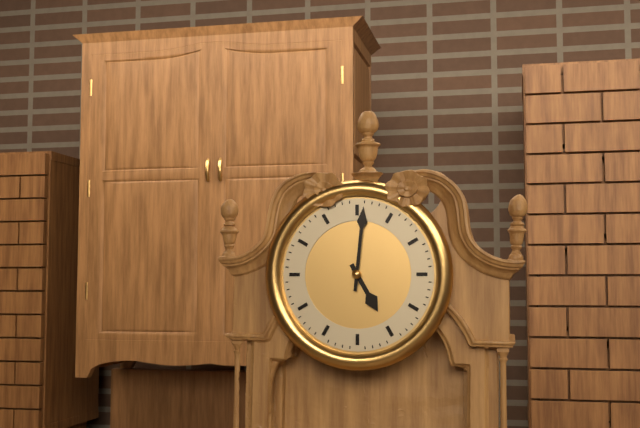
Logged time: 5:01
